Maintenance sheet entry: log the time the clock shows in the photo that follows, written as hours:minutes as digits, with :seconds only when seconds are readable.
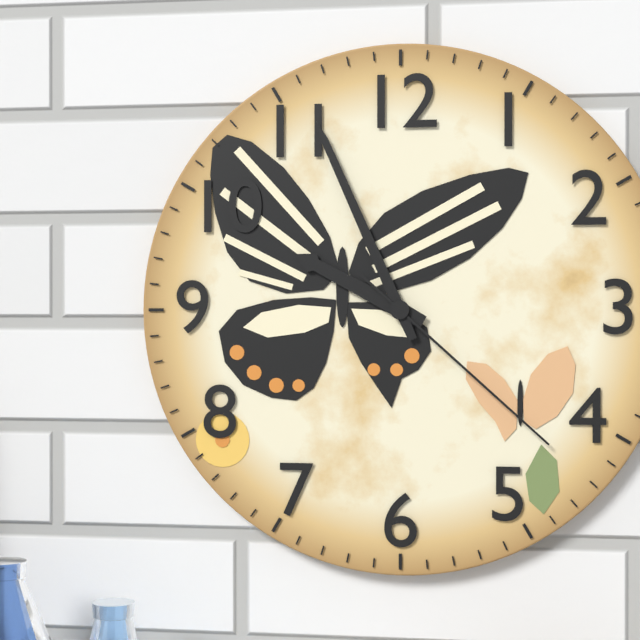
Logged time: 9:56:22
